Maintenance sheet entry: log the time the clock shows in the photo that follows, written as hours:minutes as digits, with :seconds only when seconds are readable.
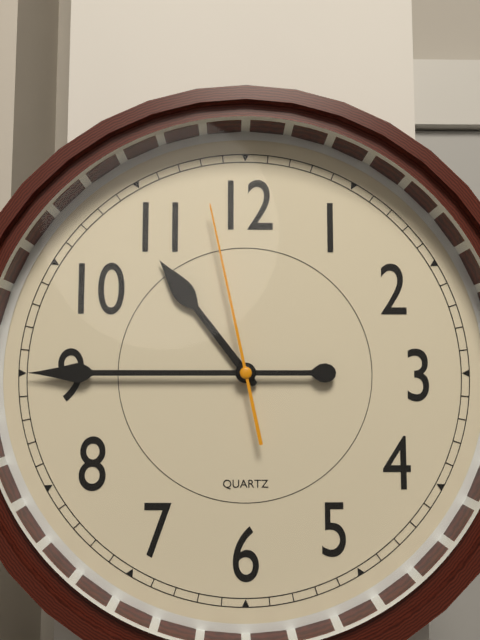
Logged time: 10:45:58
